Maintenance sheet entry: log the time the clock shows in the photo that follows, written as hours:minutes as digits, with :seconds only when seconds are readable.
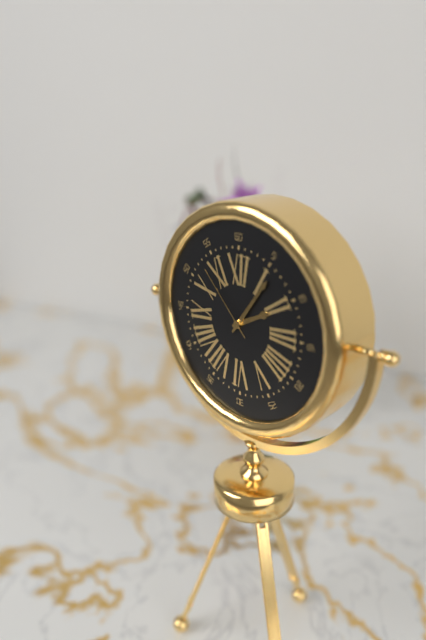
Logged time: 2:06:53
